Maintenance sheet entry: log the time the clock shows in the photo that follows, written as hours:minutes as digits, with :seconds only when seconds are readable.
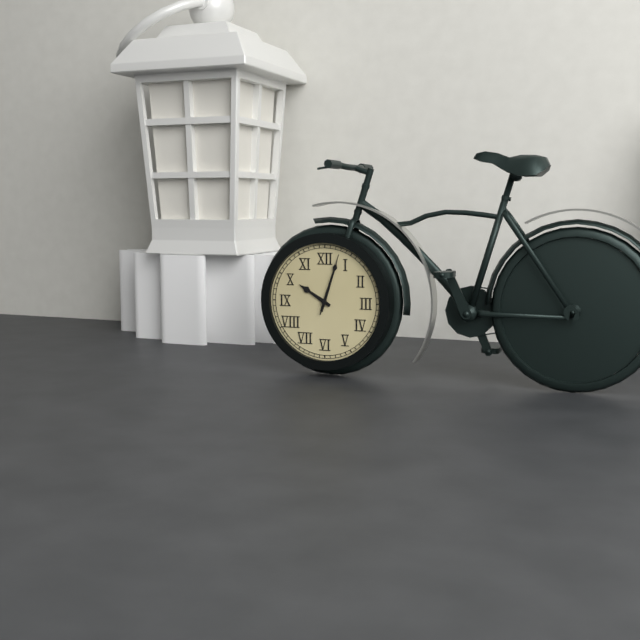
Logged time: 10:03:03
